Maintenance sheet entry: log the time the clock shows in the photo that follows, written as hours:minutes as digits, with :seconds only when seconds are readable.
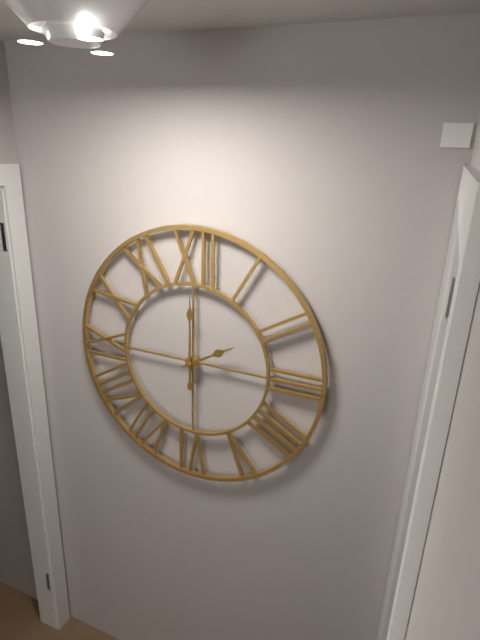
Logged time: 2:00
